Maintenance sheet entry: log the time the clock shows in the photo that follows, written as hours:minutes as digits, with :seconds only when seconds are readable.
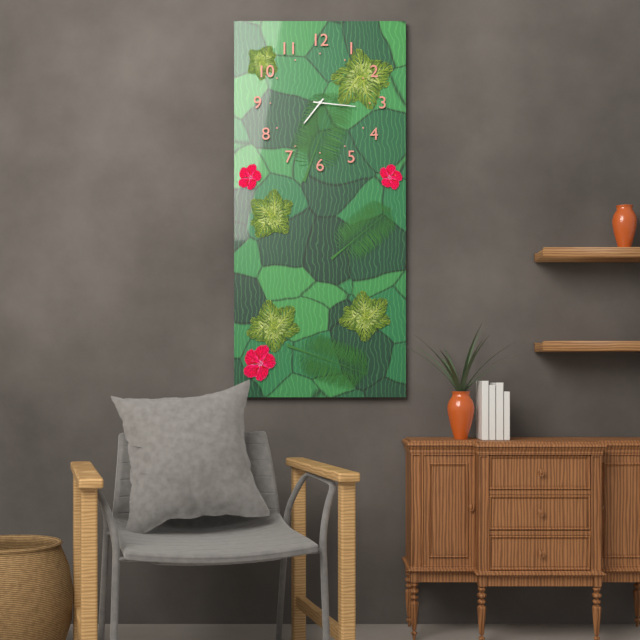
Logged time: 7:16
